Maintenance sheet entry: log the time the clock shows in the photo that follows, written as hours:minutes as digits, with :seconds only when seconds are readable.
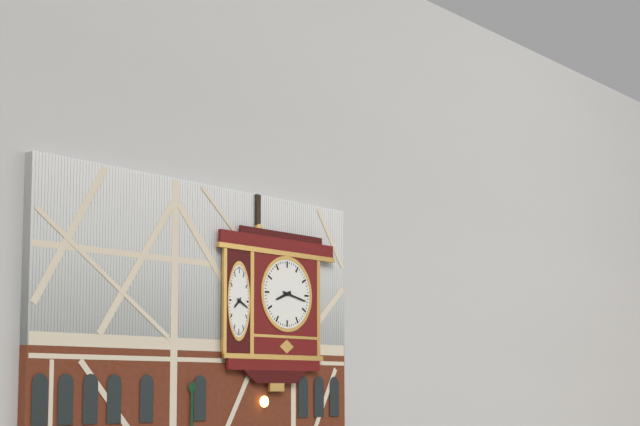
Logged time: 8:17
